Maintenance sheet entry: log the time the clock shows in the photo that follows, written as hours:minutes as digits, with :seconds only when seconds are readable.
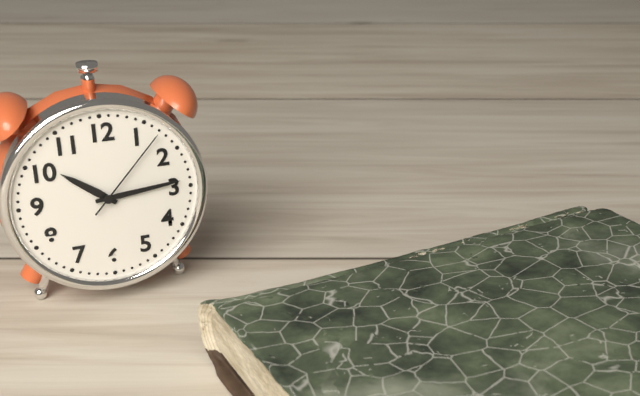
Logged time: 10:14:07
